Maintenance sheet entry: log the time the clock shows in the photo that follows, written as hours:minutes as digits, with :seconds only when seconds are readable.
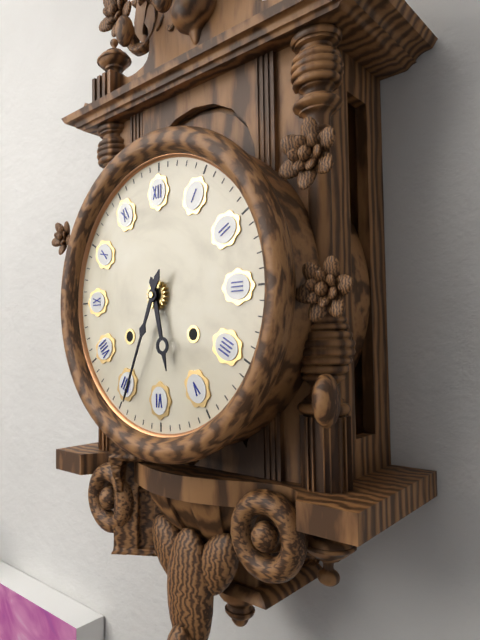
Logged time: 5:34
